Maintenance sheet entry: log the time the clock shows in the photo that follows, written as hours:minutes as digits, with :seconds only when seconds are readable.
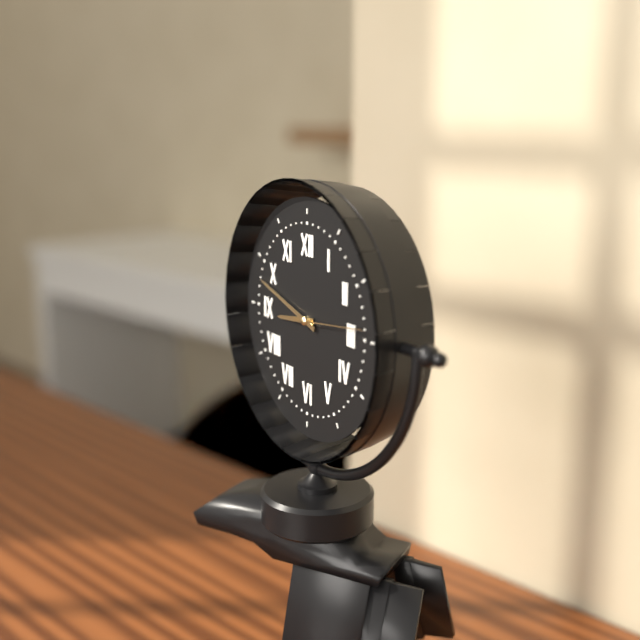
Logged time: 8:48:14
